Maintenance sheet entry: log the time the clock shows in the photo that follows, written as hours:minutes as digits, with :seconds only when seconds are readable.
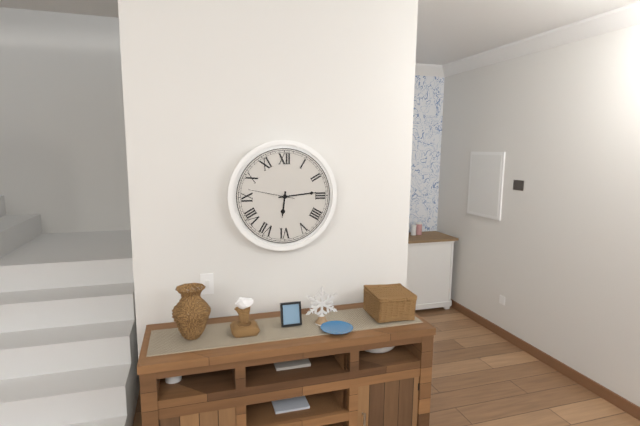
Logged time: 6:14
